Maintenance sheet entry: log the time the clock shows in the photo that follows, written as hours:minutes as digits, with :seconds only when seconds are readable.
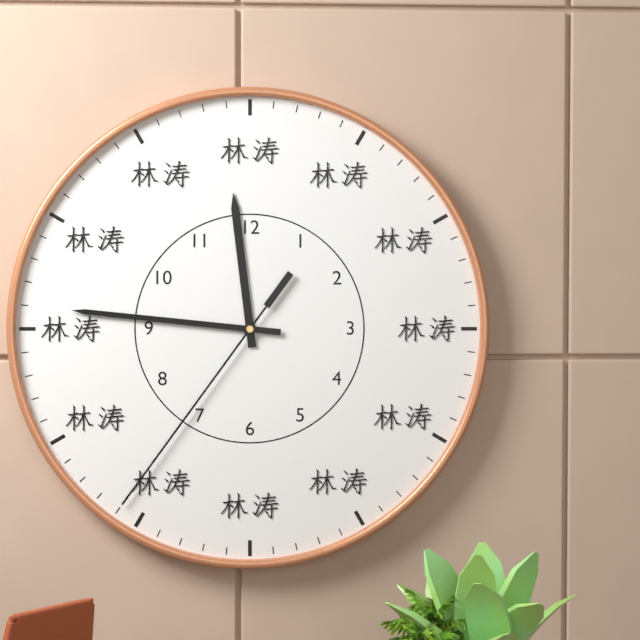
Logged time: 11:46:36
